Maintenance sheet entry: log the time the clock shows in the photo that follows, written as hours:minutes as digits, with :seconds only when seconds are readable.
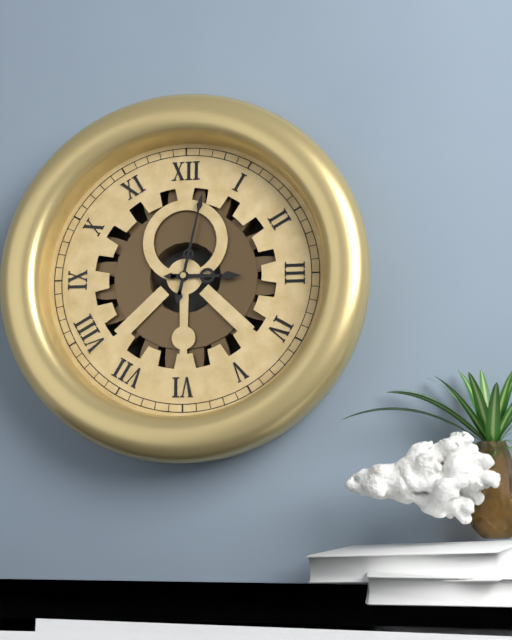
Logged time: 3:02
